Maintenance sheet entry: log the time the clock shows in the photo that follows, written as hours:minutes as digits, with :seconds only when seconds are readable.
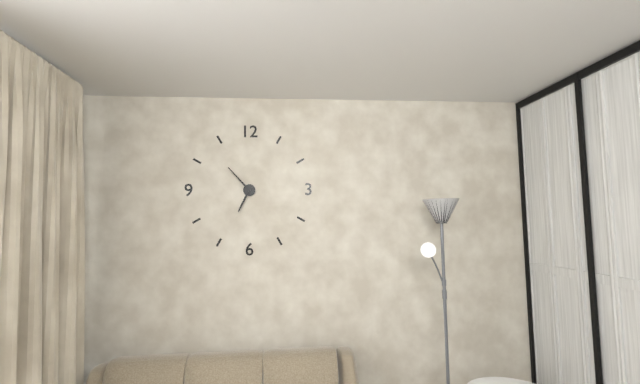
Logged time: 6:53
